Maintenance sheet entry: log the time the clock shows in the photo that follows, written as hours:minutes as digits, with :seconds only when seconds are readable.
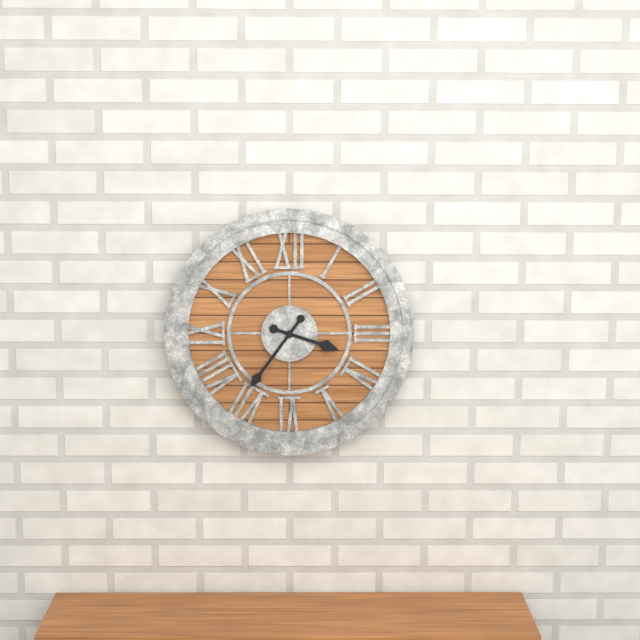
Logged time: 3:36
